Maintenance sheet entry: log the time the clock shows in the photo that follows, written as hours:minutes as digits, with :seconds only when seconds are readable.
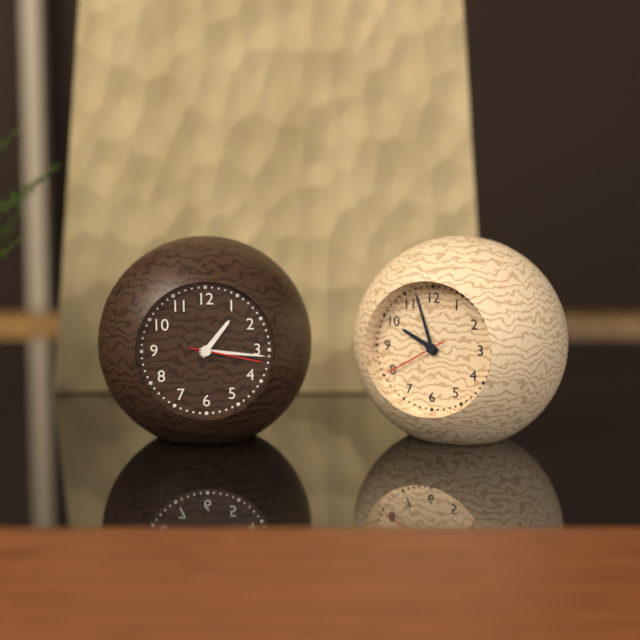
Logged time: 1:16:17
